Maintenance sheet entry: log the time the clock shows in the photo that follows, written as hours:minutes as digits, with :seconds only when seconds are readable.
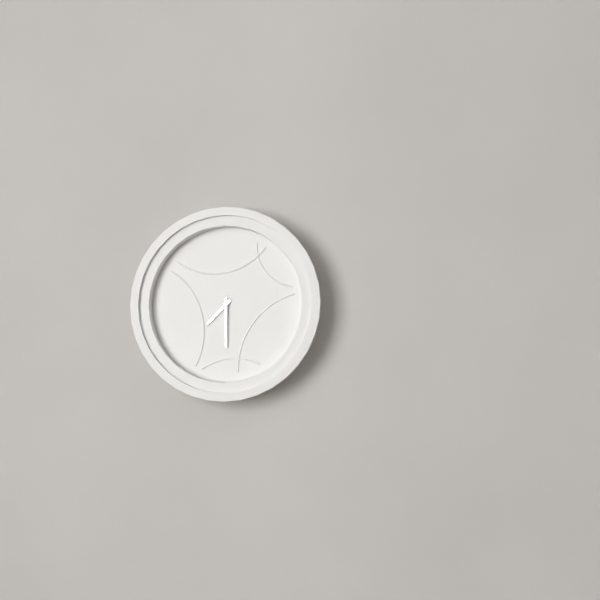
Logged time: 7:30
